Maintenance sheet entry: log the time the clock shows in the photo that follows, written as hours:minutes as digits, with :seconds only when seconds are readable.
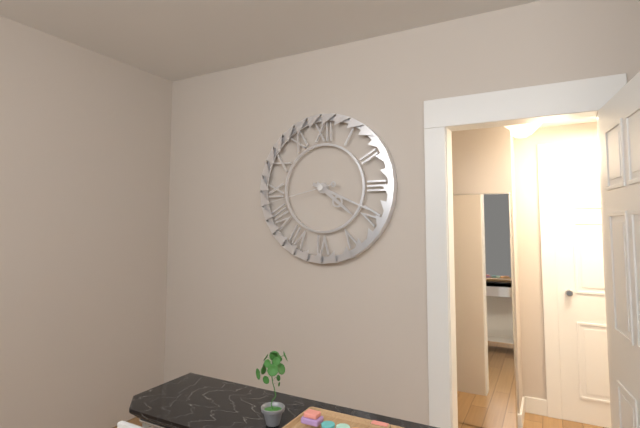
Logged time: 4:19:43
